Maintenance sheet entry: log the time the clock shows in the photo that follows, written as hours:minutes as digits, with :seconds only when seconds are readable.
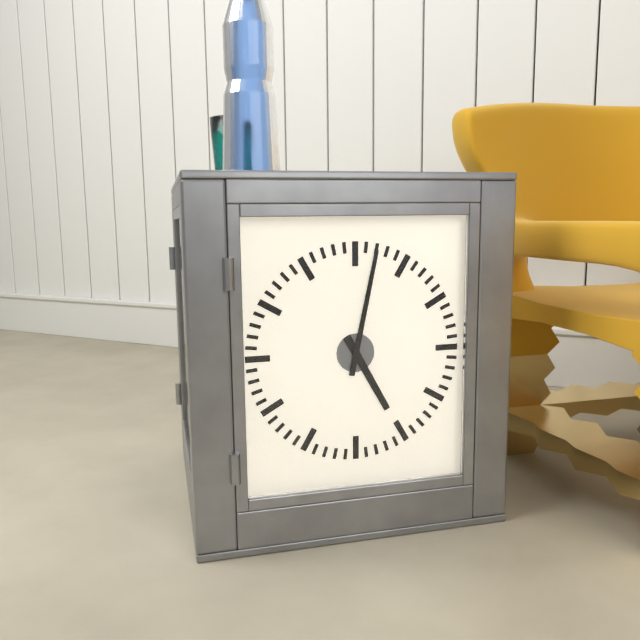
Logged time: 5:02
